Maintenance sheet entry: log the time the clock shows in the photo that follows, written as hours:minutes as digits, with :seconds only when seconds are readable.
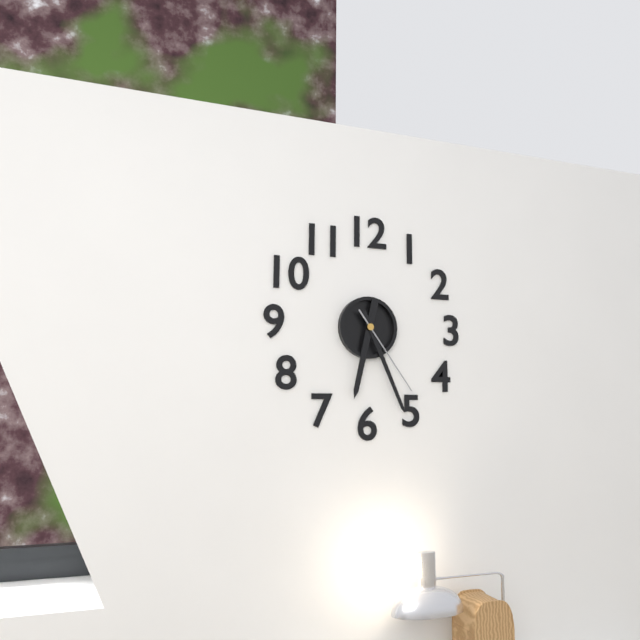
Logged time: 6:26:24
